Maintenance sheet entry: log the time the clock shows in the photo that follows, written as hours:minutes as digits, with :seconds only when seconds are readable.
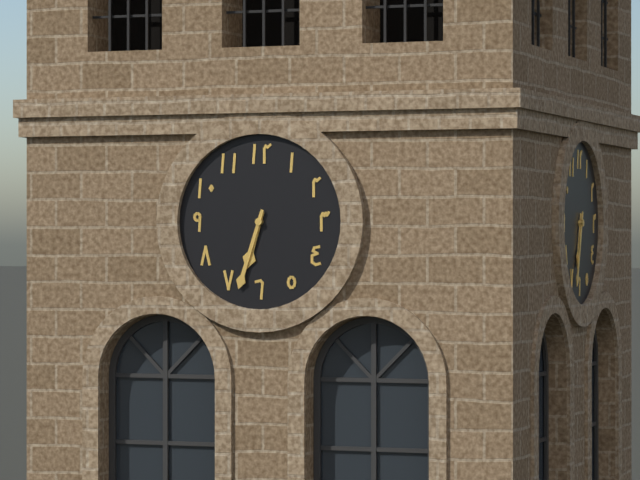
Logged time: 6:33
